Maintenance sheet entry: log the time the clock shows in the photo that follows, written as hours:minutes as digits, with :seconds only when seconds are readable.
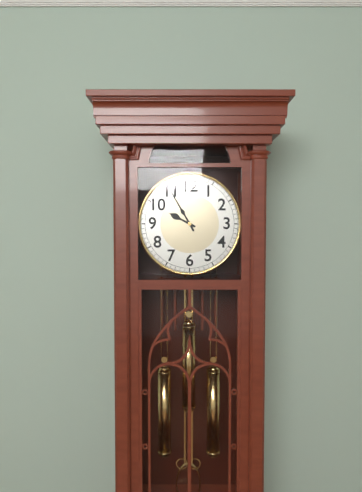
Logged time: 9:55
